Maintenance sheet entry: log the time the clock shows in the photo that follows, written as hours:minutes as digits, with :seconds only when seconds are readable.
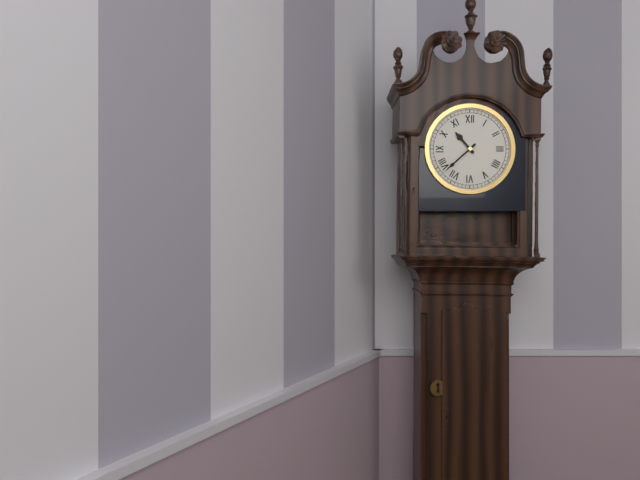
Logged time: 10:38
